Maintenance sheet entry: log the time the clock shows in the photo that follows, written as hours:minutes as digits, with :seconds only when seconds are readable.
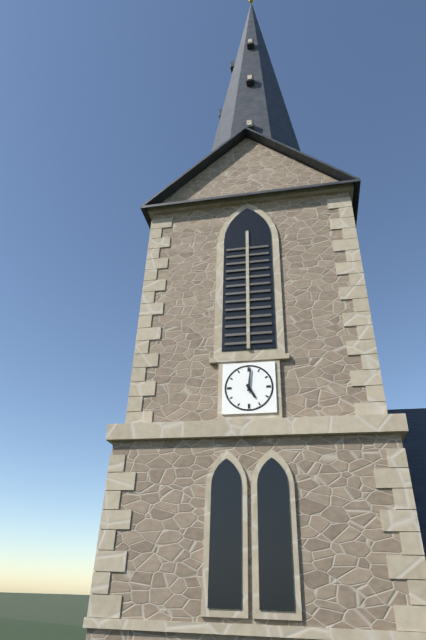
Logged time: 5:01
